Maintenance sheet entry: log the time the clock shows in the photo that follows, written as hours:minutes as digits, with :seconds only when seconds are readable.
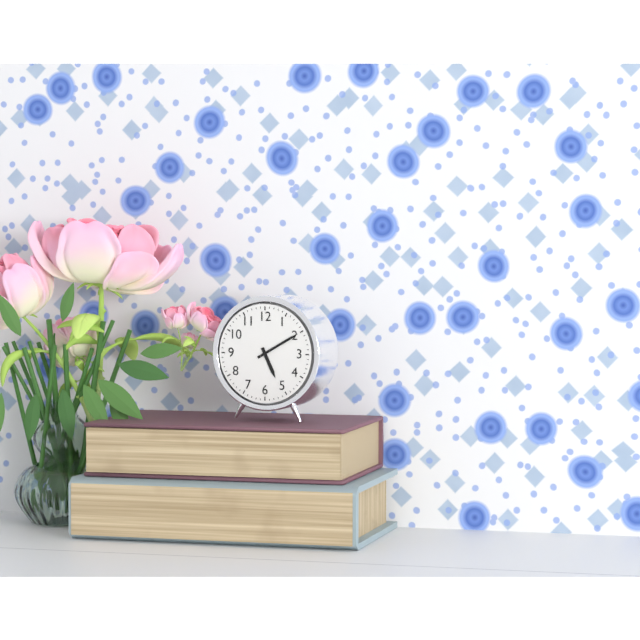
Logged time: 5:10
